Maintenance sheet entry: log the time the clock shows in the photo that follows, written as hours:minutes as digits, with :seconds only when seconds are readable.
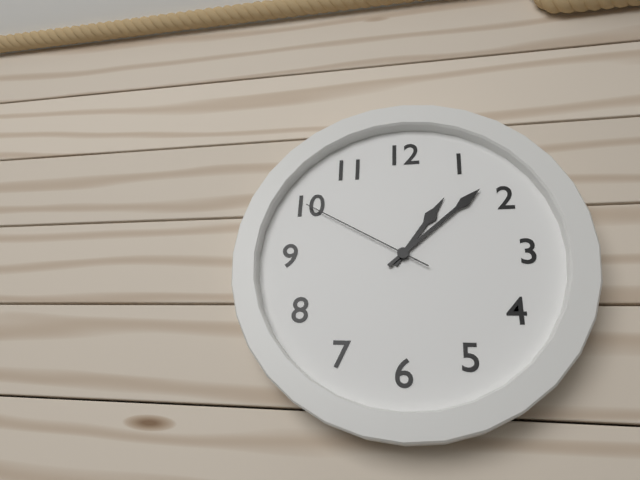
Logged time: 1:08:50
